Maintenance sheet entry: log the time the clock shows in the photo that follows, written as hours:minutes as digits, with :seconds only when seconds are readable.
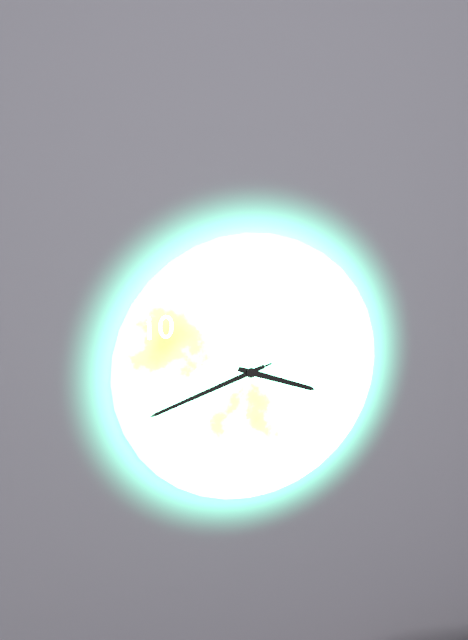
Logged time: 3:42:42
